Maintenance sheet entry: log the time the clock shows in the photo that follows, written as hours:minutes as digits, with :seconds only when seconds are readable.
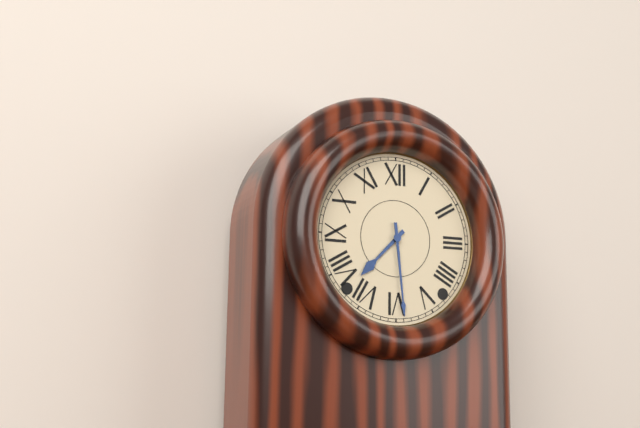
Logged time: 7:29
